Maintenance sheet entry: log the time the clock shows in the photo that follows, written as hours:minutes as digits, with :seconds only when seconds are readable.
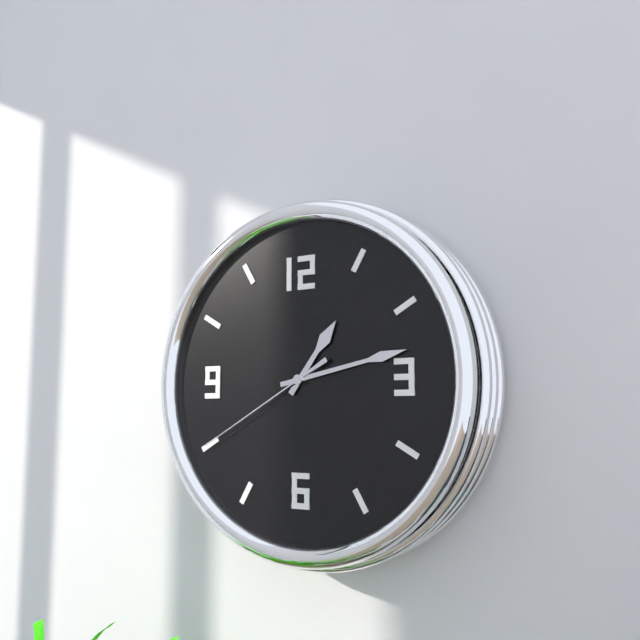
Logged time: 1:13:40
